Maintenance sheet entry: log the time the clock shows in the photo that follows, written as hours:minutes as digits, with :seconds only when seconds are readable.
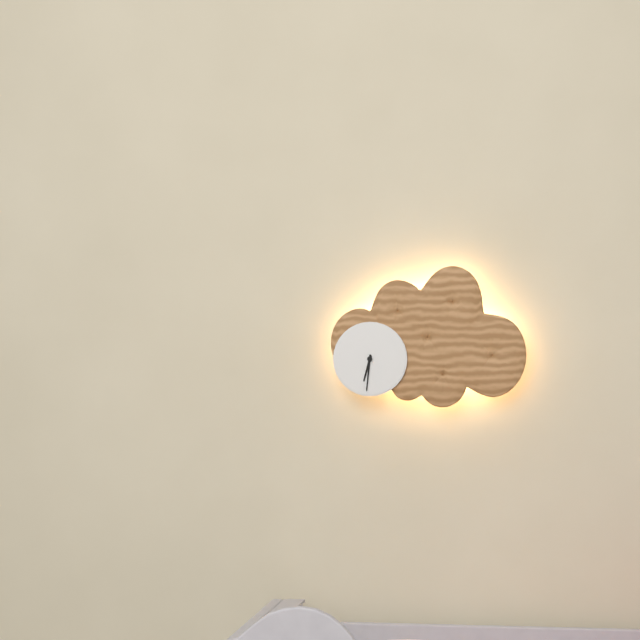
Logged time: 6:31
